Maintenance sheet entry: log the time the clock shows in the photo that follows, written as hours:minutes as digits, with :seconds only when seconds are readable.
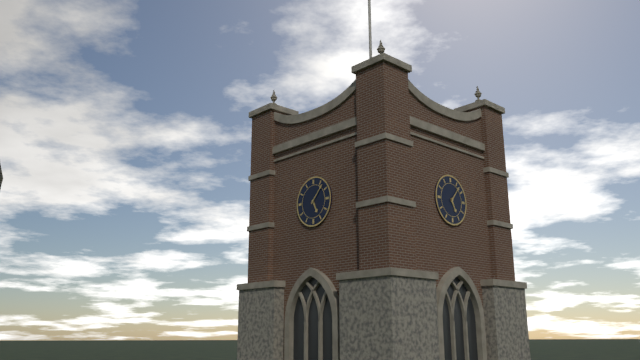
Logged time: 5:07
